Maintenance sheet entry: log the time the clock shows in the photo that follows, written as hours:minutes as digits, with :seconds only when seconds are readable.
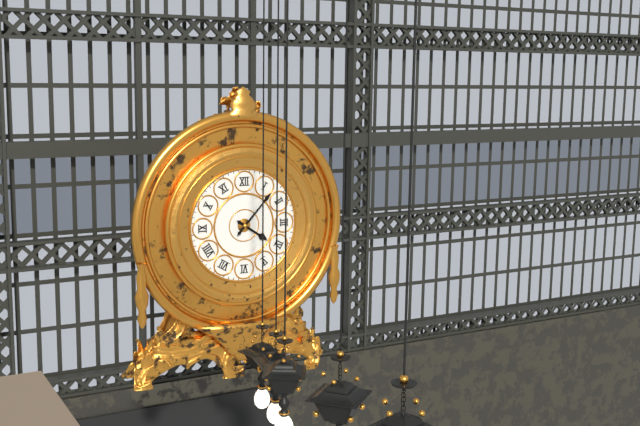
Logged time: 4:07
